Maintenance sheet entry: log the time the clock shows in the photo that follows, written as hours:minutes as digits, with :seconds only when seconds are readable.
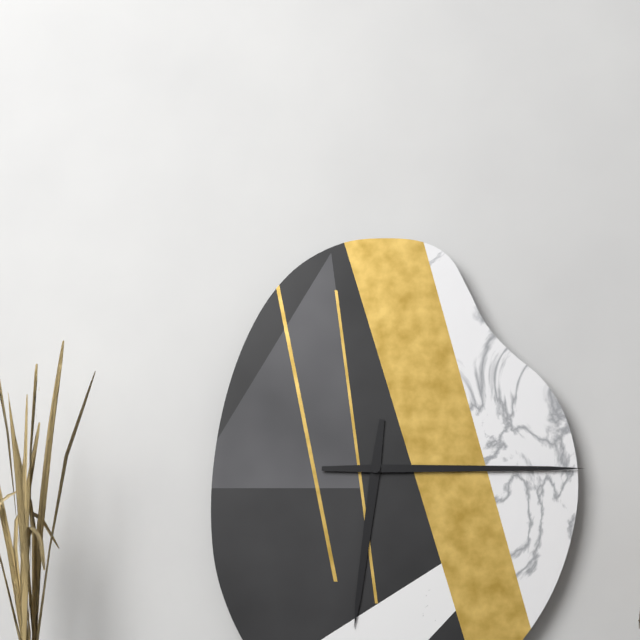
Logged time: 6:15
